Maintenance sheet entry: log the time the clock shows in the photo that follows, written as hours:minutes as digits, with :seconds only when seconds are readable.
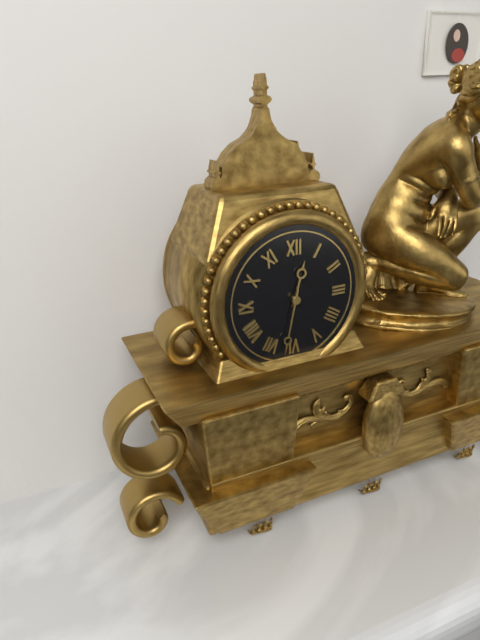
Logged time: 12:32
